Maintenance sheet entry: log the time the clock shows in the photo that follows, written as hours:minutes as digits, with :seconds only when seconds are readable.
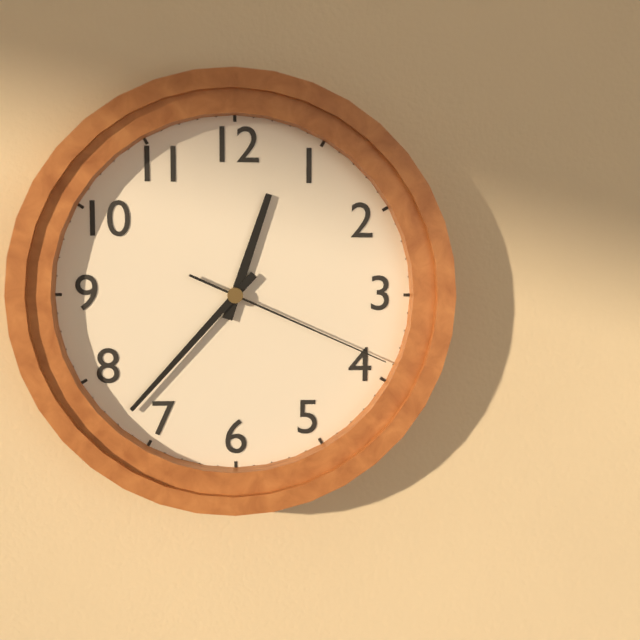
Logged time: 12:37:19
